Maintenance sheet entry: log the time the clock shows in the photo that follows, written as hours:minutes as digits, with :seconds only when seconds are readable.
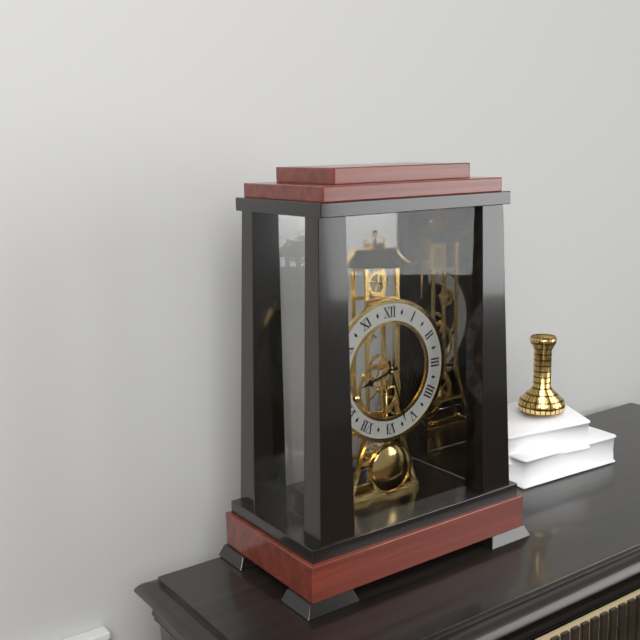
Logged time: 8:27
